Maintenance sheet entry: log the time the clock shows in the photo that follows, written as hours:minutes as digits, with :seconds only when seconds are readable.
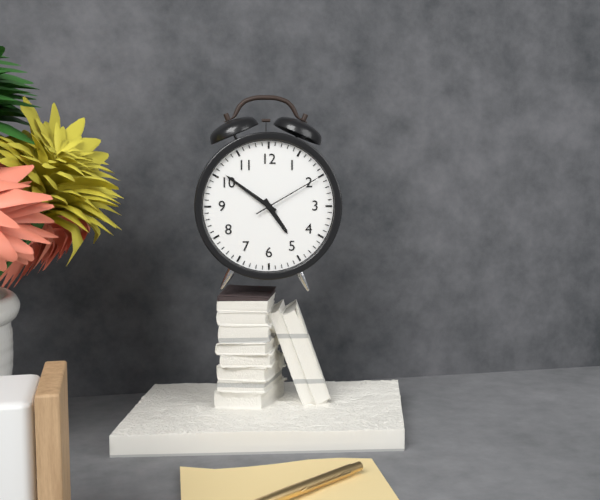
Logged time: 4:51:10
